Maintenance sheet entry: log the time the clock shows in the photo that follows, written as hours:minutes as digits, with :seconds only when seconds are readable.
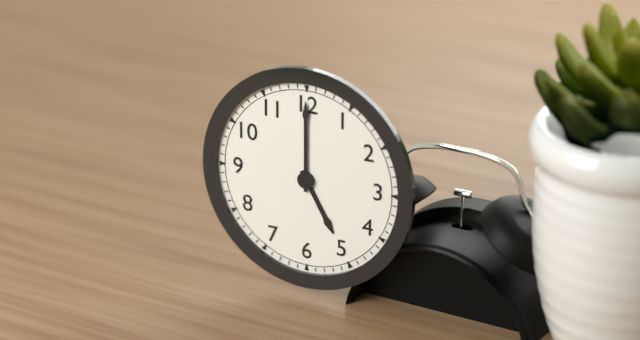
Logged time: 5:00
